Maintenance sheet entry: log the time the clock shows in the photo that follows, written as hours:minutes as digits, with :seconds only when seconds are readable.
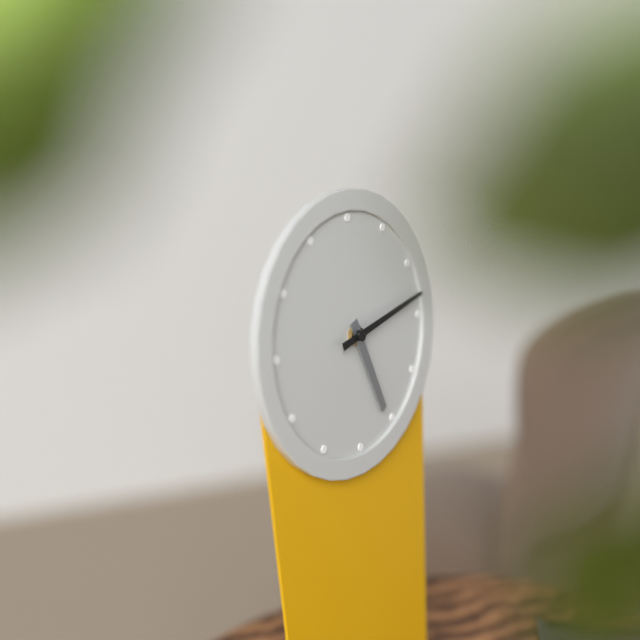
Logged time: 5:13
